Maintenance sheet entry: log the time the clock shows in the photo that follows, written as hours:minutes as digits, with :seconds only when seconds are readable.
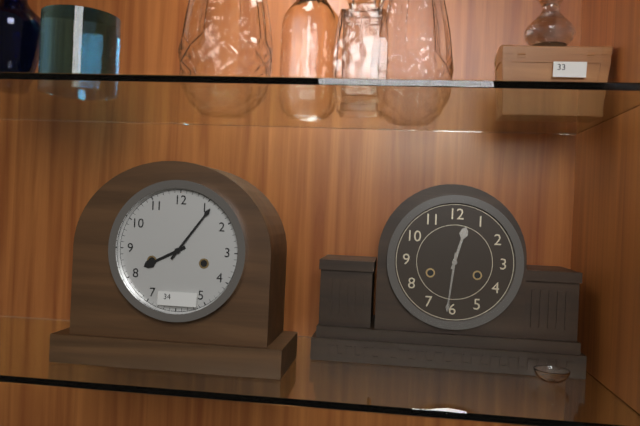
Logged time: 8:06
